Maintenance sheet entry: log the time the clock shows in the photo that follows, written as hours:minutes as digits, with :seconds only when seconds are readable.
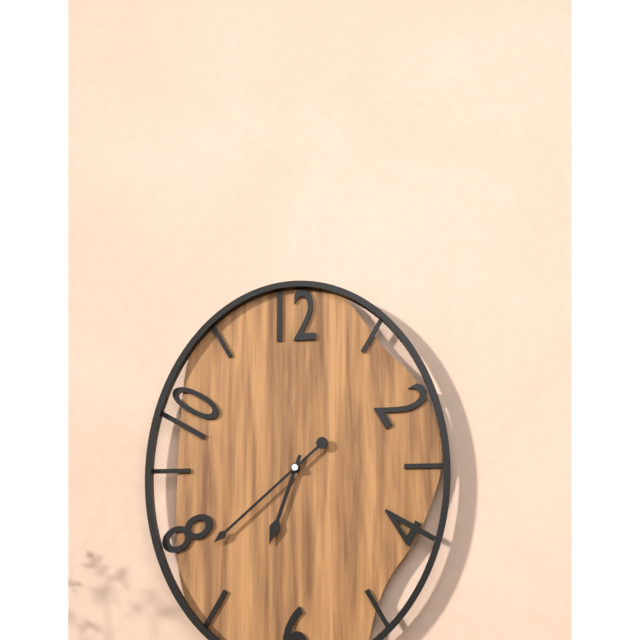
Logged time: 6:38
